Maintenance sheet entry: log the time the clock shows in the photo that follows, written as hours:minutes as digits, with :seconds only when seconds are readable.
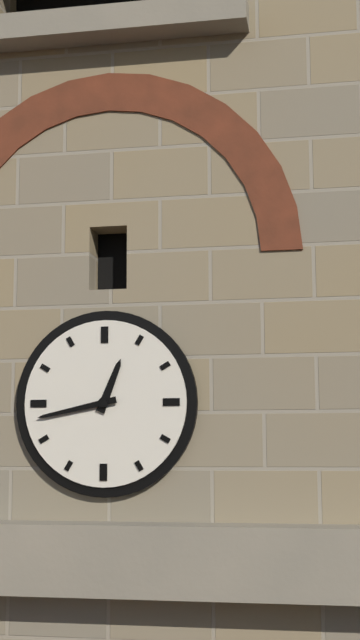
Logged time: 12:43
